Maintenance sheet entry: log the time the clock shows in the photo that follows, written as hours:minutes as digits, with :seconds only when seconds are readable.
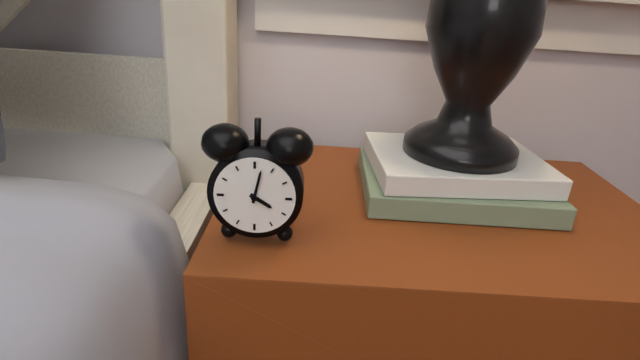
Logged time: 4:02
